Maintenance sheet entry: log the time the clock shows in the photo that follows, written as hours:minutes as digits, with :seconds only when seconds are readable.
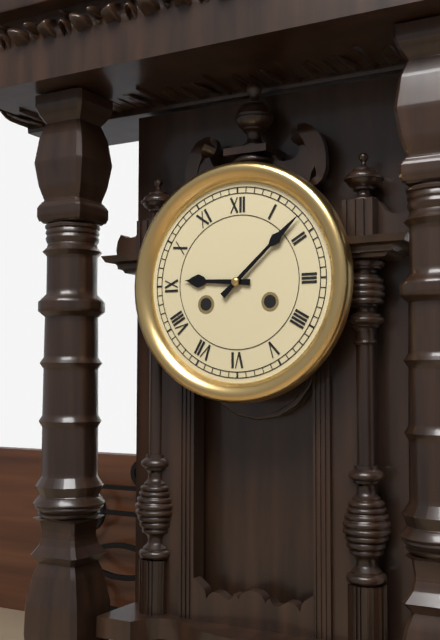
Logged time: 9:08
